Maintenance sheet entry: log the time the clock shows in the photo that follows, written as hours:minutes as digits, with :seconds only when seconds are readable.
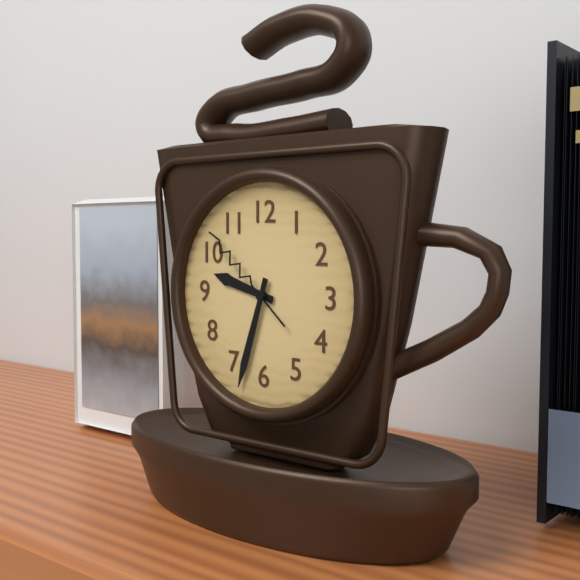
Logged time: 9:33:52
